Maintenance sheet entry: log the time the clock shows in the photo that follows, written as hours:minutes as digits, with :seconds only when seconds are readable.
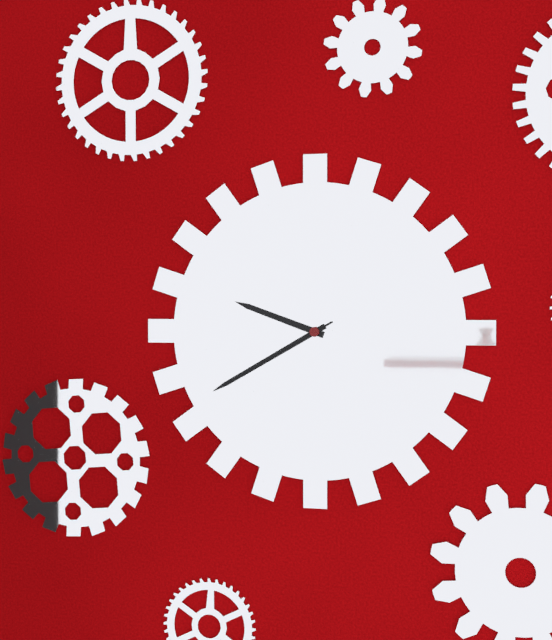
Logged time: 9:40:40
